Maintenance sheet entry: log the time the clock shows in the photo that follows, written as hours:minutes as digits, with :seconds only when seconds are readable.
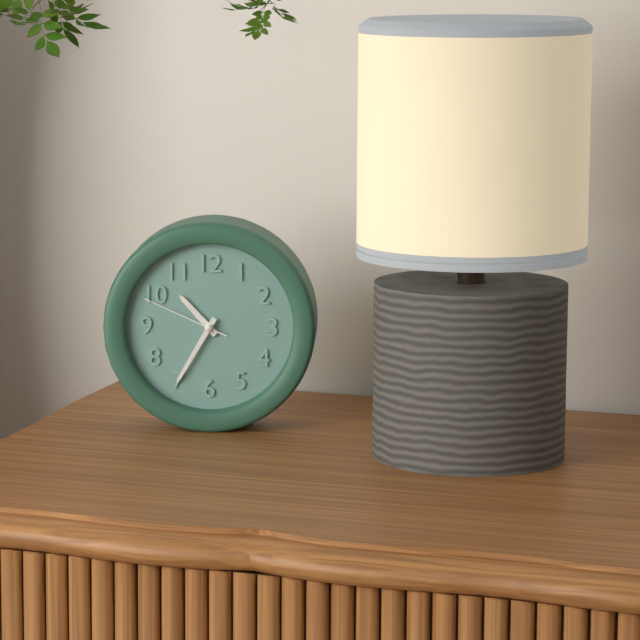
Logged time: 10:35:49
